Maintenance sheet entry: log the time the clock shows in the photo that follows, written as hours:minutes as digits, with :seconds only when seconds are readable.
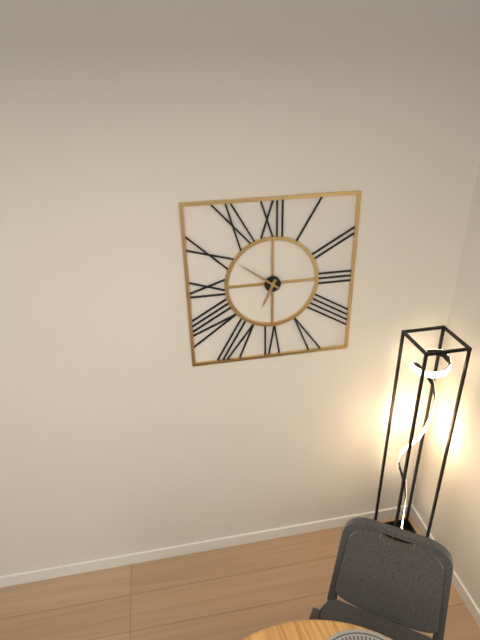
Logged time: 6:51
